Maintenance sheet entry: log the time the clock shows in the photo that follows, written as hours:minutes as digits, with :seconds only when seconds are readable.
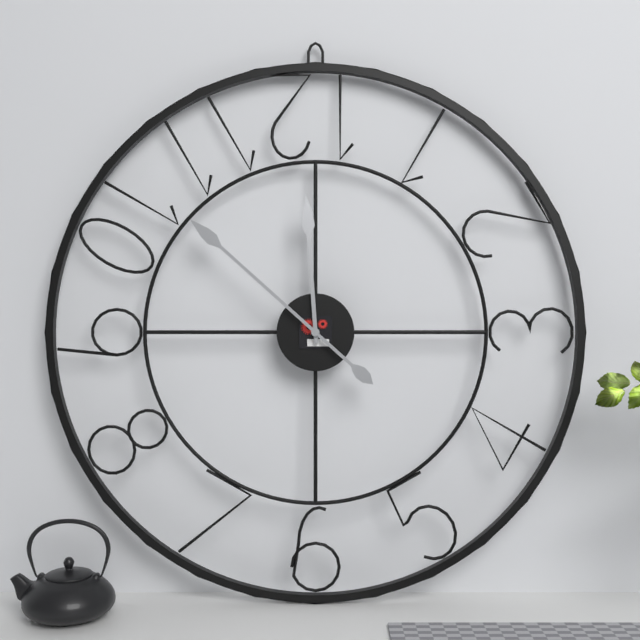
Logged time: 11:52
